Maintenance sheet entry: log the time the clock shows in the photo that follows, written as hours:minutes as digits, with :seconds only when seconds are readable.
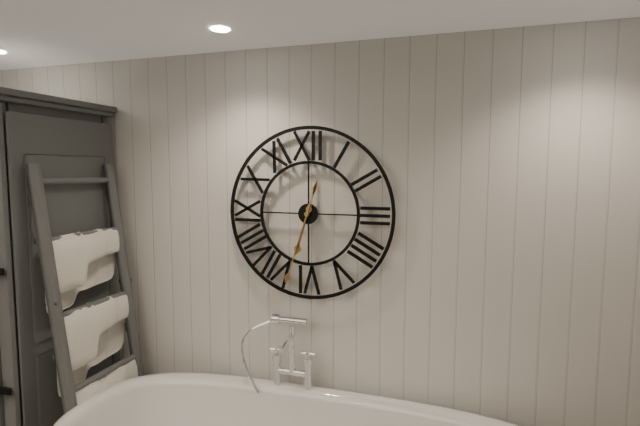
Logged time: 6:33
